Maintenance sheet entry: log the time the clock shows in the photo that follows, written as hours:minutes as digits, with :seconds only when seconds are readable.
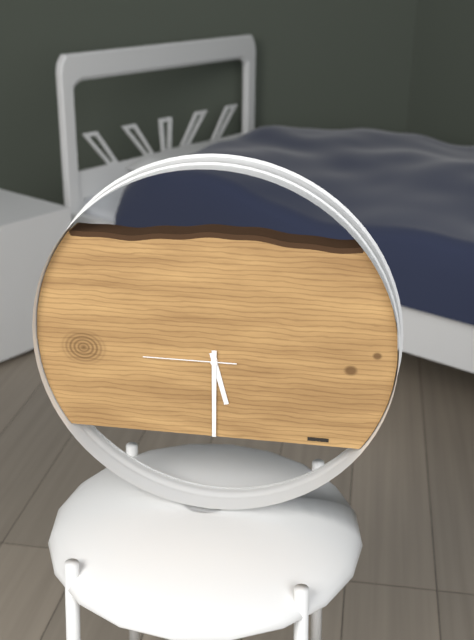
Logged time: 5:30:45
